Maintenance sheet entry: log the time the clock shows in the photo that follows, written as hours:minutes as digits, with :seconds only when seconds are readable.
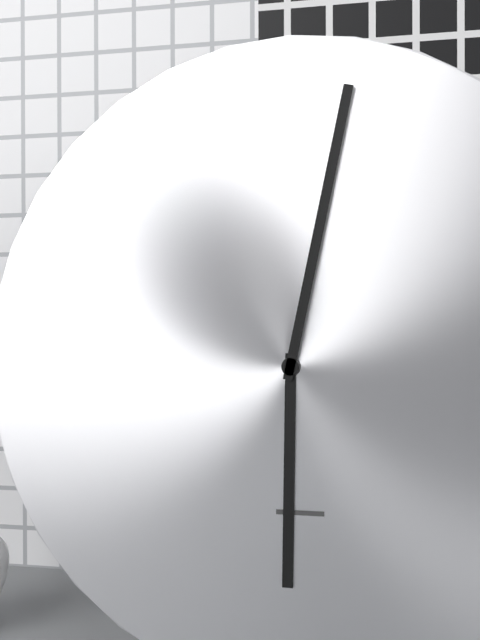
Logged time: 6:02
